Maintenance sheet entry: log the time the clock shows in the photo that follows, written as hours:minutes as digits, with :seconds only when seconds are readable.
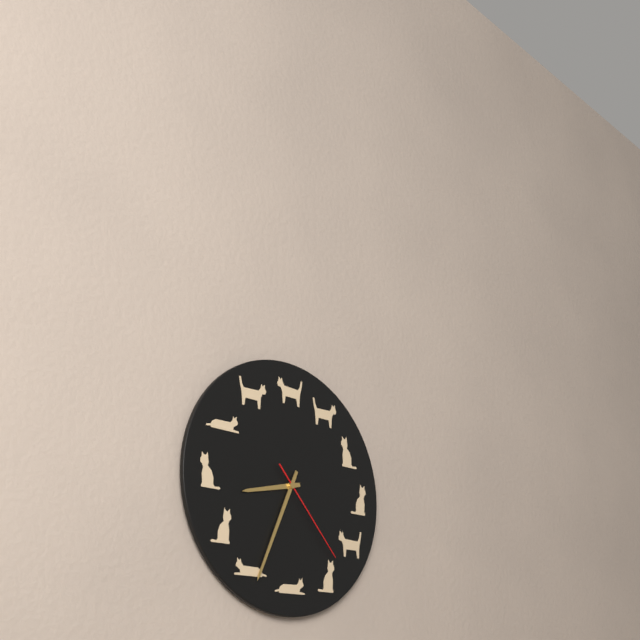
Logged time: 8:34:23
